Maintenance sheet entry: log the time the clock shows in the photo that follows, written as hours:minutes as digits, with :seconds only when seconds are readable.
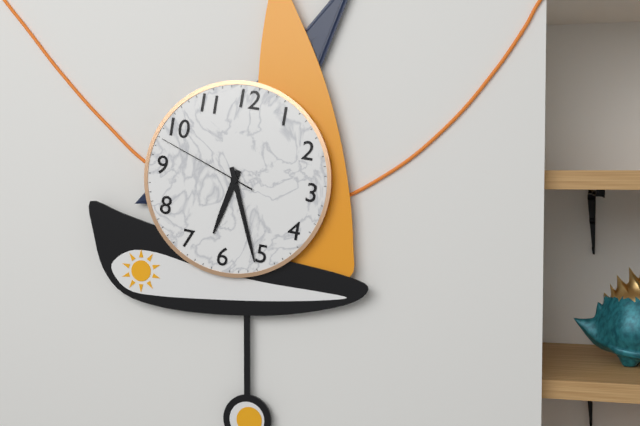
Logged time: 6:26:48
